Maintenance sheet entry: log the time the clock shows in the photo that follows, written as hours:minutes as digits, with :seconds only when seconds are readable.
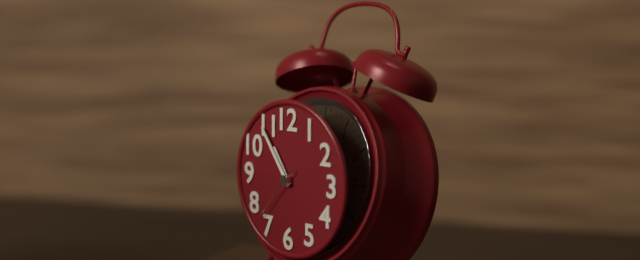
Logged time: 10:54:37
